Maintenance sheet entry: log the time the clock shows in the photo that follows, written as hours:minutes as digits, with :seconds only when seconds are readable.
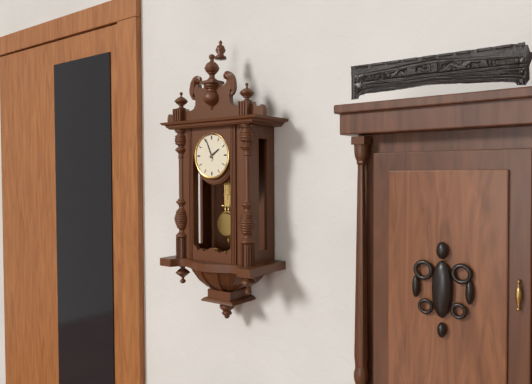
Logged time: 1:56
